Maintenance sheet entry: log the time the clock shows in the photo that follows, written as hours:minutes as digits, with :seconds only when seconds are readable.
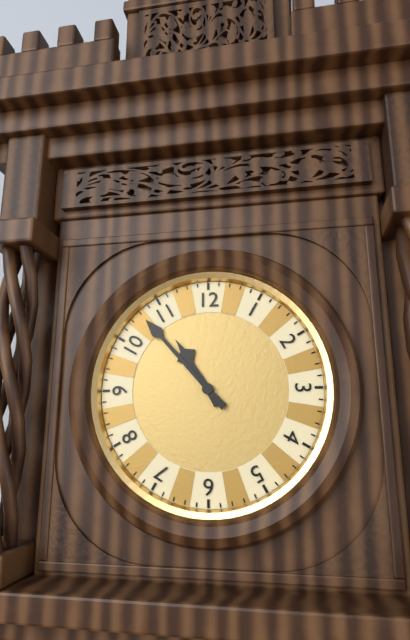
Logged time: 10:53
